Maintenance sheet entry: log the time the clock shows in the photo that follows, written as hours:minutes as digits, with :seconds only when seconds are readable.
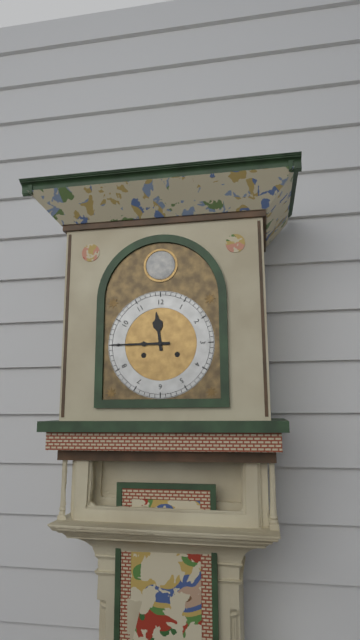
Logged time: 11:45
